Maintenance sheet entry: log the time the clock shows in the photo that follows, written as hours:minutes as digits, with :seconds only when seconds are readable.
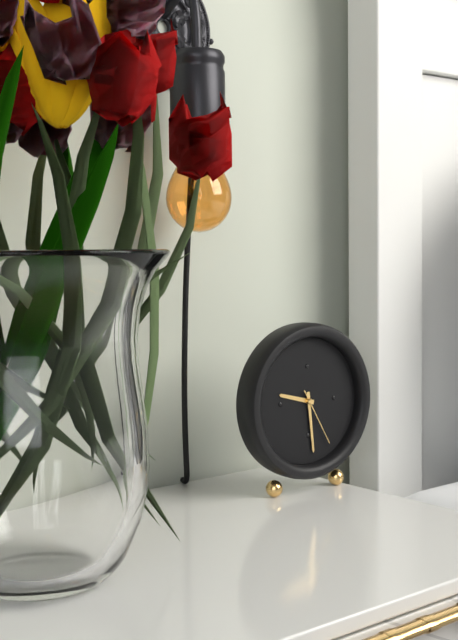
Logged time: 9:29:25
